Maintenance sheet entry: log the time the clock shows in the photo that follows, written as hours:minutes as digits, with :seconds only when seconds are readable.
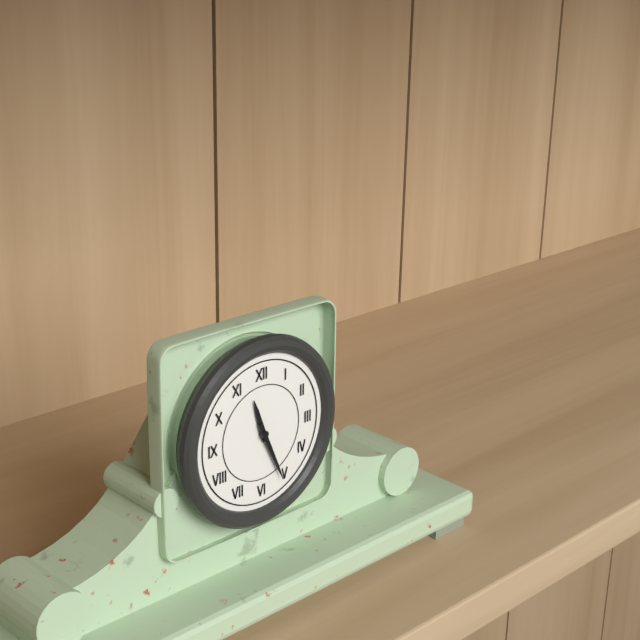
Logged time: 11:26
